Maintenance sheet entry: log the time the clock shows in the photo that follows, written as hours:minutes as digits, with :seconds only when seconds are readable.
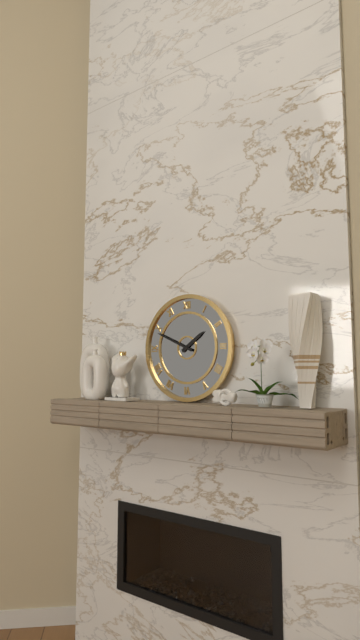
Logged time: 1:49
